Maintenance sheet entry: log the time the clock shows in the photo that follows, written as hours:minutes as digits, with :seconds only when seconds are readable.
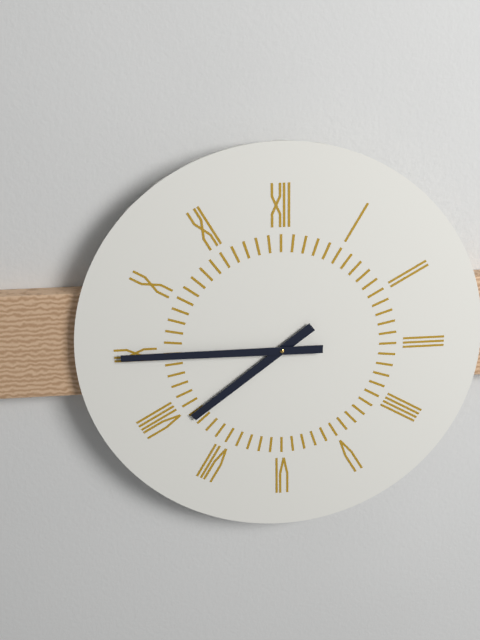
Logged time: 7:45
